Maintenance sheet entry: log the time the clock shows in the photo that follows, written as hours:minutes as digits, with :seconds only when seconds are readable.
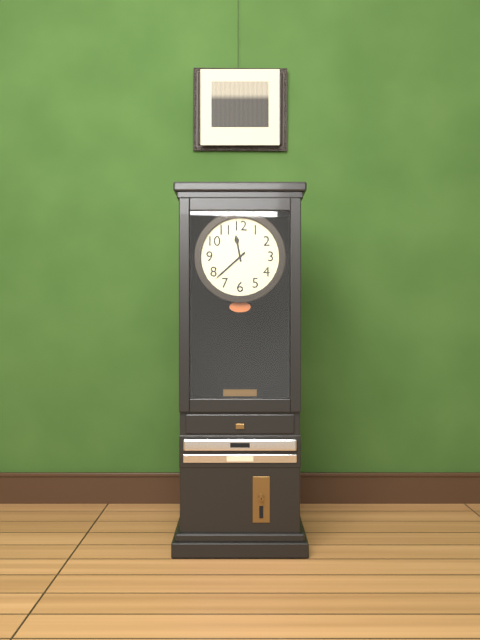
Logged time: 11:38
